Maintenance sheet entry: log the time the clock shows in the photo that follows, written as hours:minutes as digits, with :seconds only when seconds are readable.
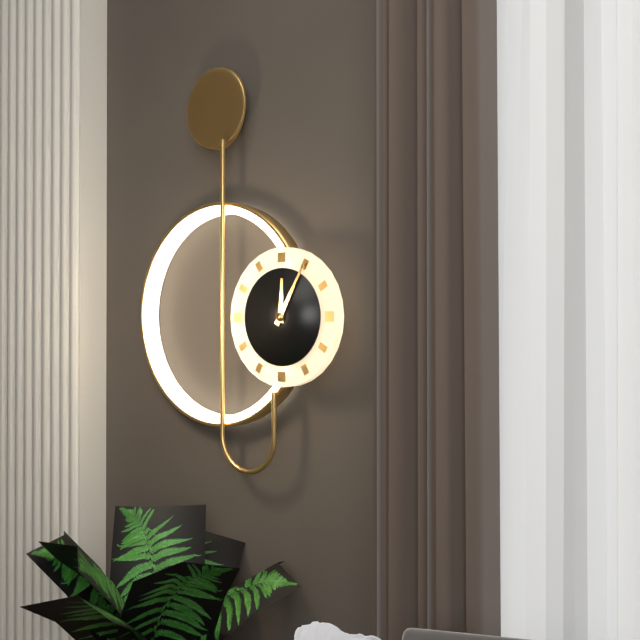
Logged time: 12:05
